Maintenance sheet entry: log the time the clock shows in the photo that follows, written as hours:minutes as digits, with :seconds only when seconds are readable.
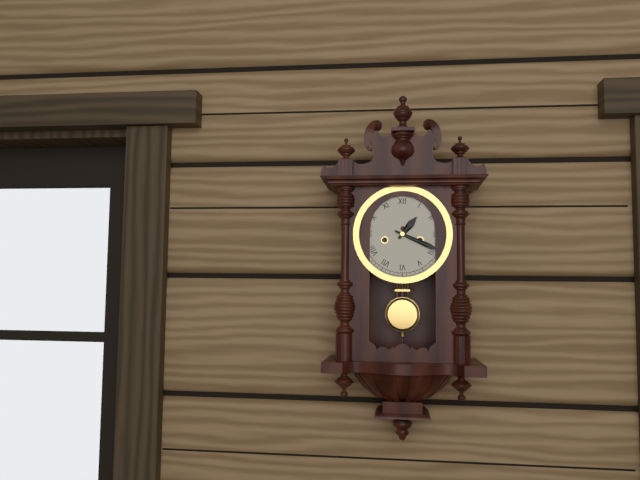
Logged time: 1:19
